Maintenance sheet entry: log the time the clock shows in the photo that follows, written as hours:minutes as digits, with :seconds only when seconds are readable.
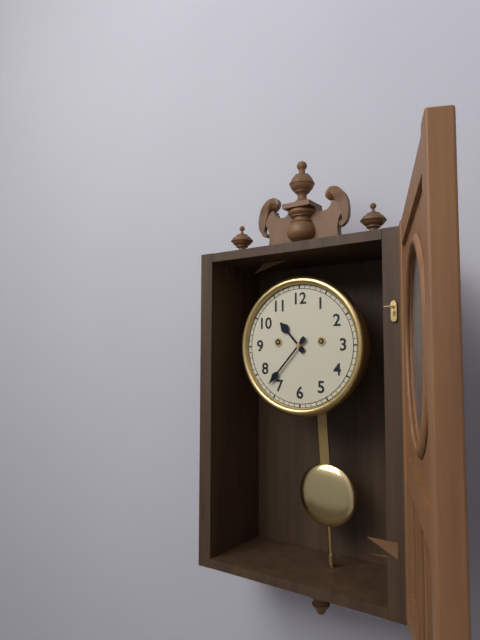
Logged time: 10:37
